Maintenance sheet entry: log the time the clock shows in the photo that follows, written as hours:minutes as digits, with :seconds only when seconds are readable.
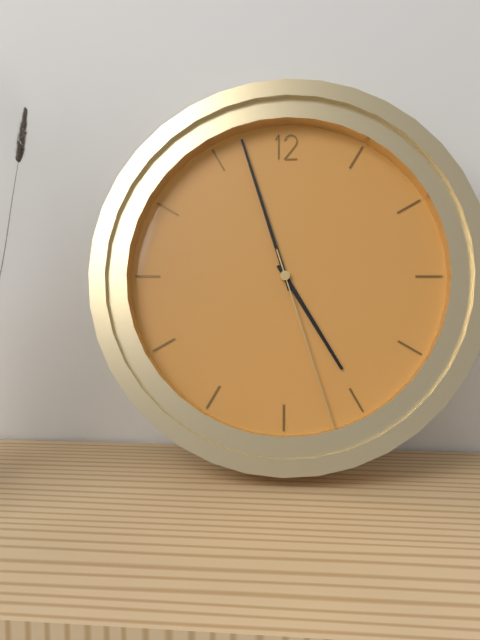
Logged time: 4:57:27
